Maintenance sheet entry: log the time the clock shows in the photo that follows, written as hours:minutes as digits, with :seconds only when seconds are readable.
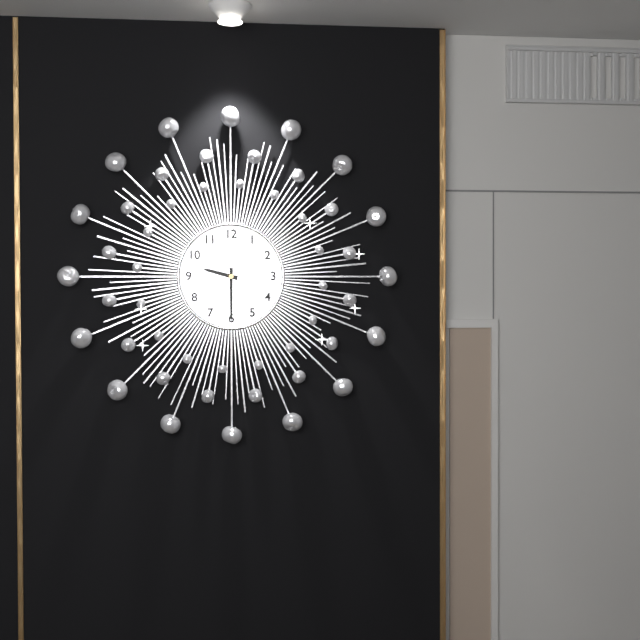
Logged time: 9:30
